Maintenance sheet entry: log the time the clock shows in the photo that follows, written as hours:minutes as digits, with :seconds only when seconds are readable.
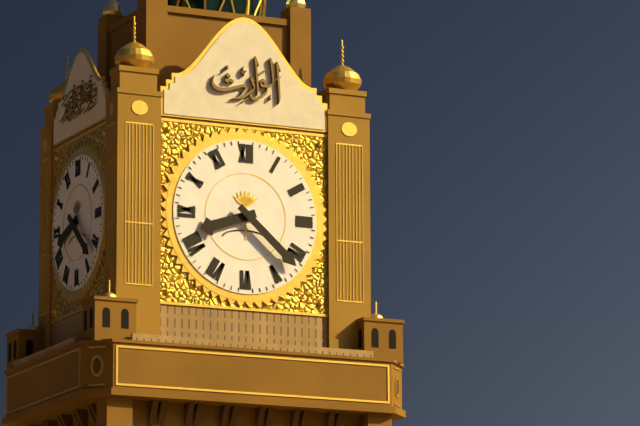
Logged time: 8:22
